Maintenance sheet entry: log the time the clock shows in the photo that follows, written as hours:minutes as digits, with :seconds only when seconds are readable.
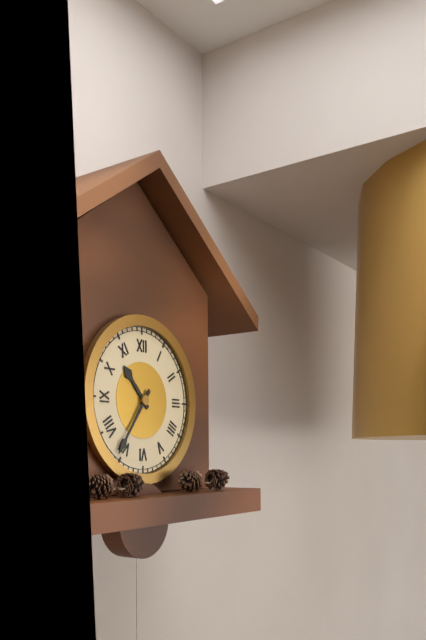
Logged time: 10:36
